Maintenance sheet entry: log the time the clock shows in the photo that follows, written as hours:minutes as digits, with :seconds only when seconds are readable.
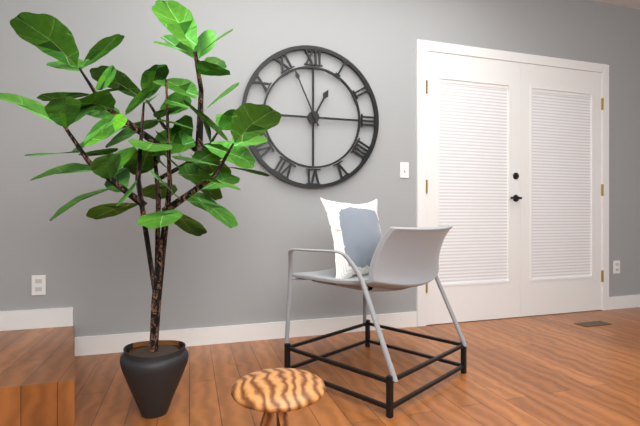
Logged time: 12:56
